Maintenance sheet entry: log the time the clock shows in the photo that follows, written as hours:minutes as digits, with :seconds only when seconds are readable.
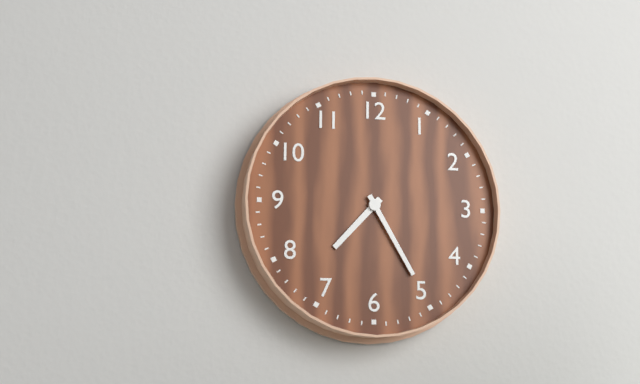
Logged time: 7:25
